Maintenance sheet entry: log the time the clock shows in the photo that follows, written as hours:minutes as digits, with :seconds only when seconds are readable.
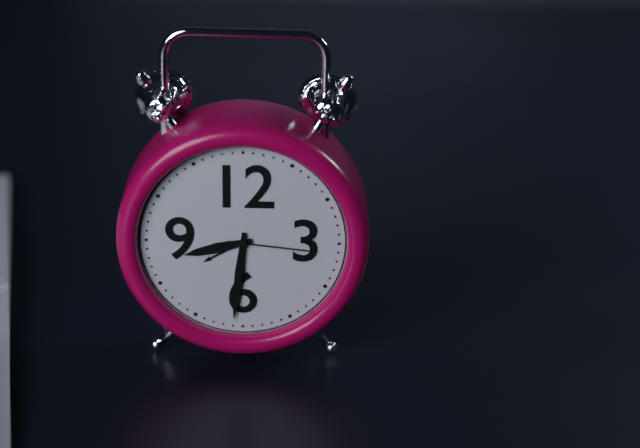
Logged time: 8:31:16
